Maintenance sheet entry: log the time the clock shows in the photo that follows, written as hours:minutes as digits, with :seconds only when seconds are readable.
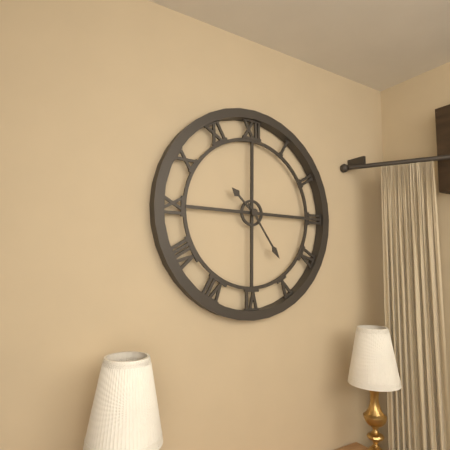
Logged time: 10:24
